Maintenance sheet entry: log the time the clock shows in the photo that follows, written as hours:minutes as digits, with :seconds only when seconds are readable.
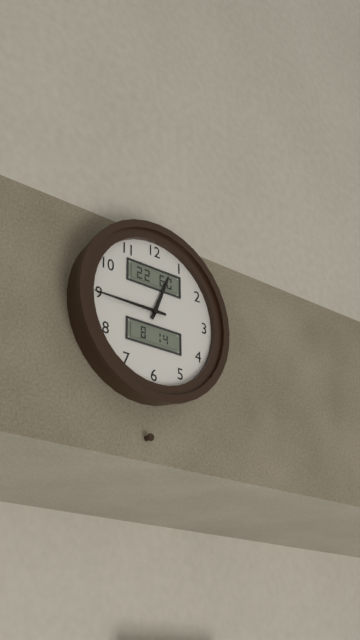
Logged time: 12:45
